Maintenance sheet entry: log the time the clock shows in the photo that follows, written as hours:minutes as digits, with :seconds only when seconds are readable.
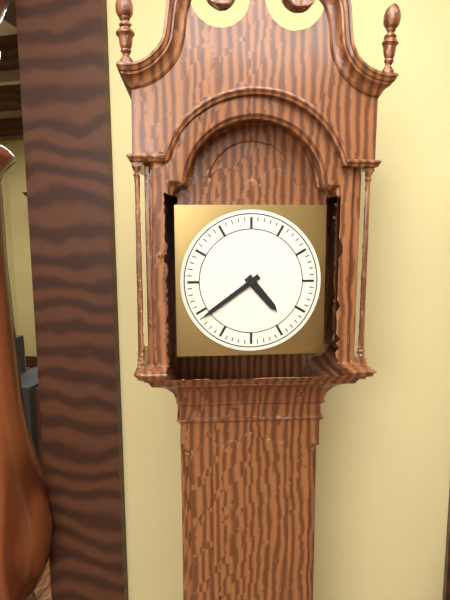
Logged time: 4:39
